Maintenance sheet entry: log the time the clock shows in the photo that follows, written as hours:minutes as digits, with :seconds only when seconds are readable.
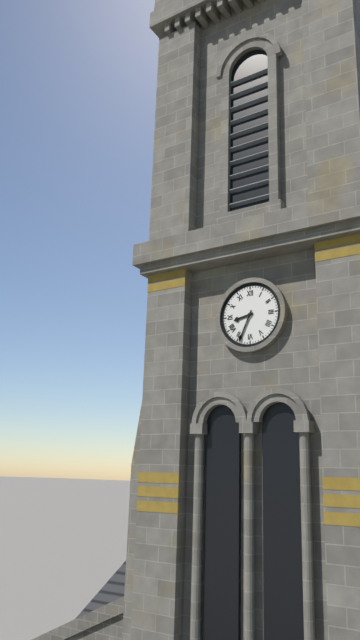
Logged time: 8:34
